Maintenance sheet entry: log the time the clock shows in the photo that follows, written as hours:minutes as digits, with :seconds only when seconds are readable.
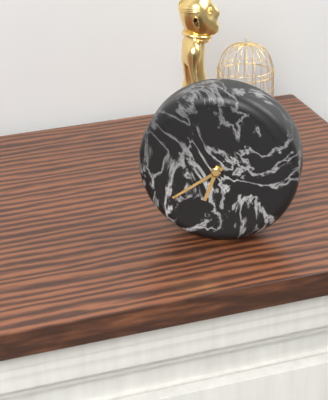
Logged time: 6:39
